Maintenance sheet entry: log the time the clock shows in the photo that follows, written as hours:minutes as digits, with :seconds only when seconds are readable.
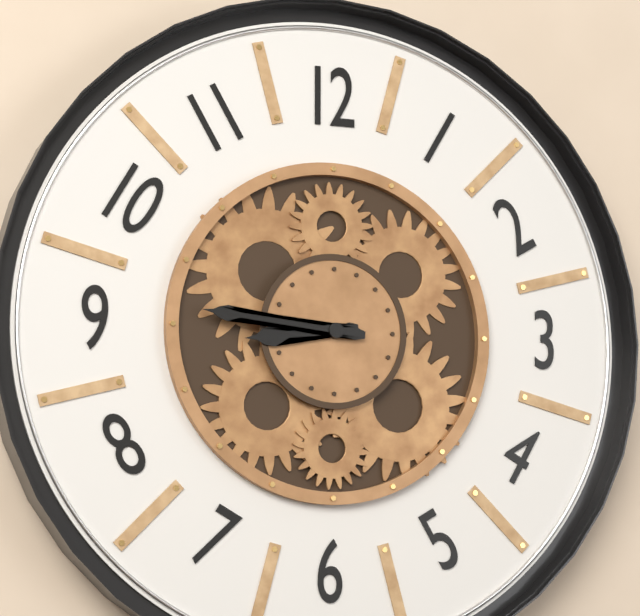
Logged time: 8:46
